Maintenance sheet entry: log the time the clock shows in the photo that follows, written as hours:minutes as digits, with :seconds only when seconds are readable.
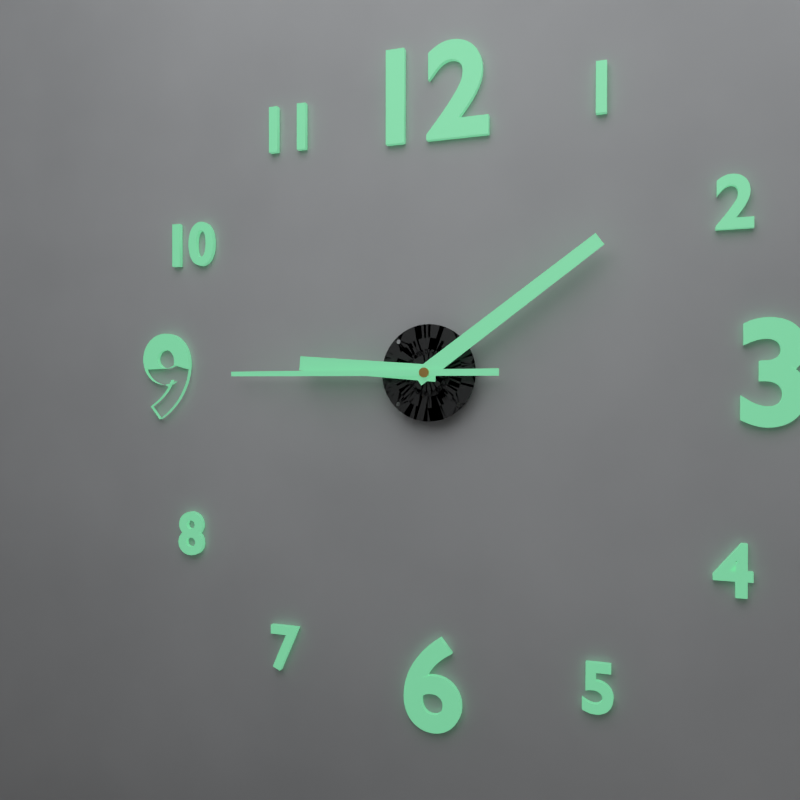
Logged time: 9:09:45
